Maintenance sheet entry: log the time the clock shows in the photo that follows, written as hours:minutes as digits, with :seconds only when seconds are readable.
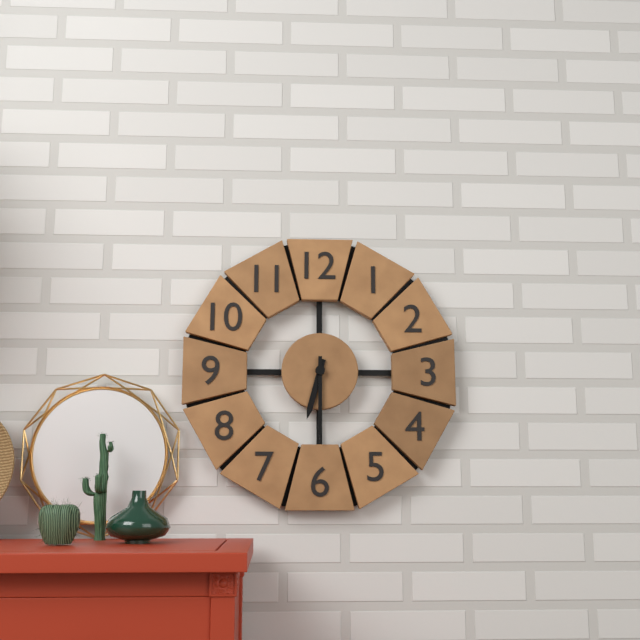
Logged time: 6:30
